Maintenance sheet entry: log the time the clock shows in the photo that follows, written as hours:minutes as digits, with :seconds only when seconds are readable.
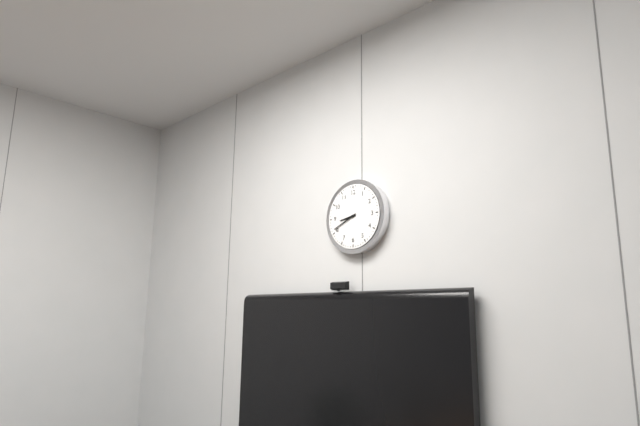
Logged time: 8:41
